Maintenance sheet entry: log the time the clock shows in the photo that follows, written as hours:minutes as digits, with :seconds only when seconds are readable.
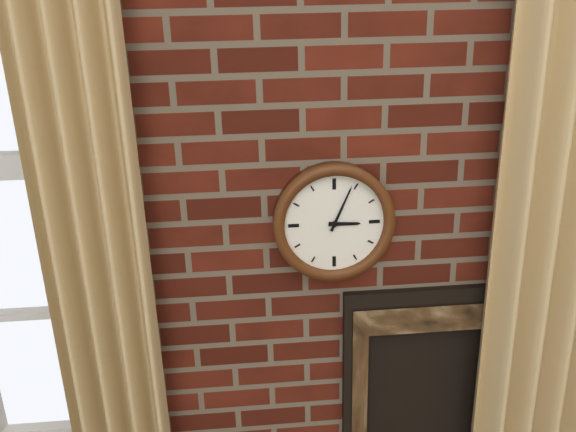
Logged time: 3:04
